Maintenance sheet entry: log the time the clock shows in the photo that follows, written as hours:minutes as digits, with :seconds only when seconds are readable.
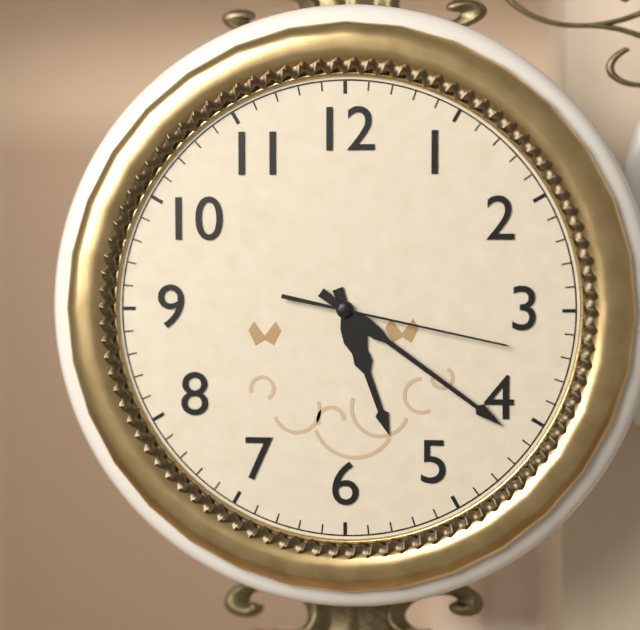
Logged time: 5:21:17
